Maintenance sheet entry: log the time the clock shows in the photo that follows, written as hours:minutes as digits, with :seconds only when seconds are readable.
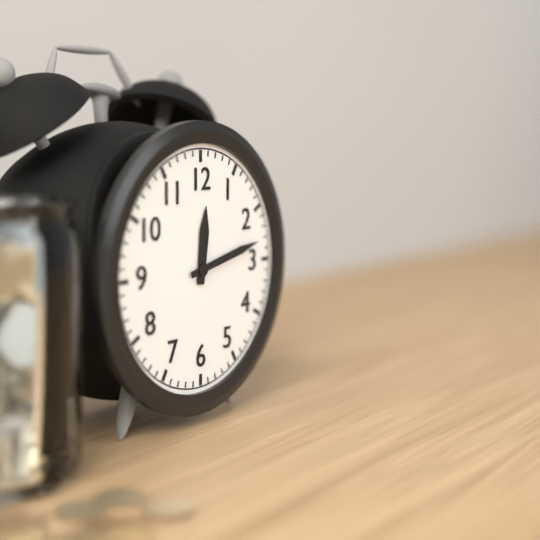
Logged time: 12:13
